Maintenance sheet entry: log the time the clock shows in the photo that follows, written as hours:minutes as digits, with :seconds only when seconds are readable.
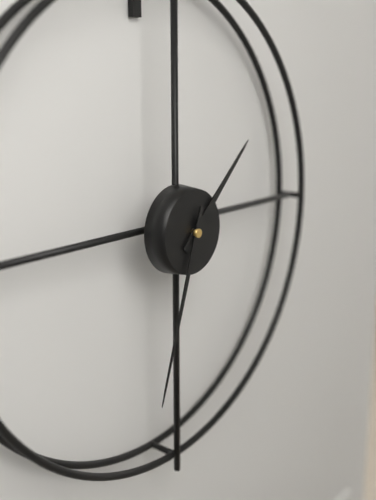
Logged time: 1:33
